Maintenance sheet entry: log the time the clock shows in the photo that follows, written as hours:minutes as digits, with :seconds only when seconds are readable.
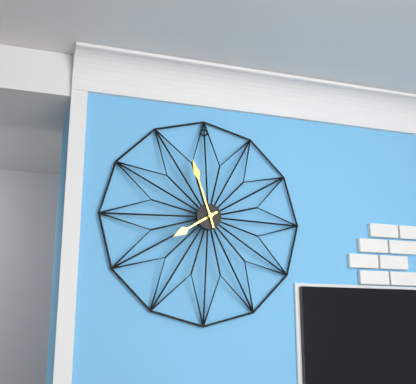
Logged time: 7:57
